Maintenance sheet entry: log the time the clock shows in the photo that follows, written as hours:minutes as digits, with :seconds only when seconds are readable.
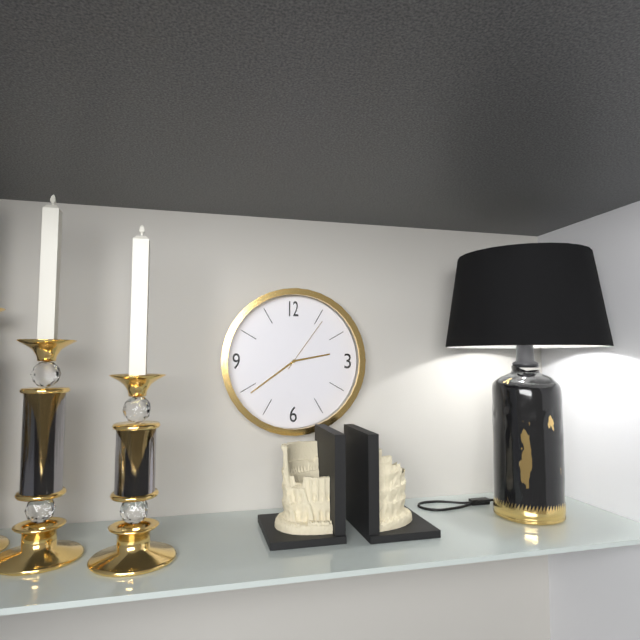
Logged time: 2:39:06
